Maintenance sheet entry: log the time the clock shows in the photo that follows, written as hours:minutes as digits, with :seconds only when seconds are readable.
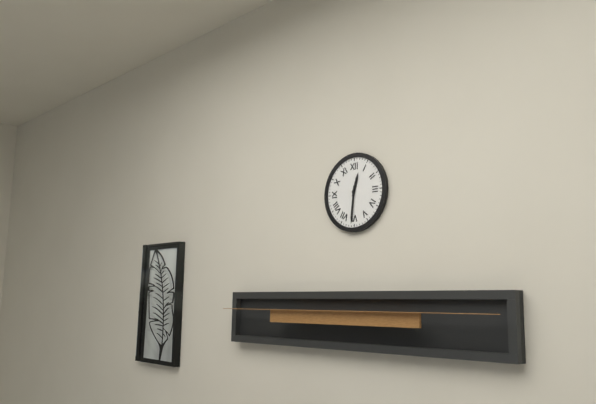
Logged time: 12:31
